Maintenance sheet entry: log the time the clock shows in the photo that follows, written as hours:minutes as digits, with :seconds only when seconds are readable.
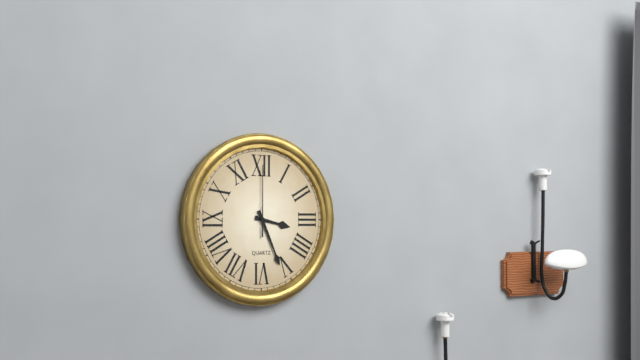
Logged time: 3:26:00
